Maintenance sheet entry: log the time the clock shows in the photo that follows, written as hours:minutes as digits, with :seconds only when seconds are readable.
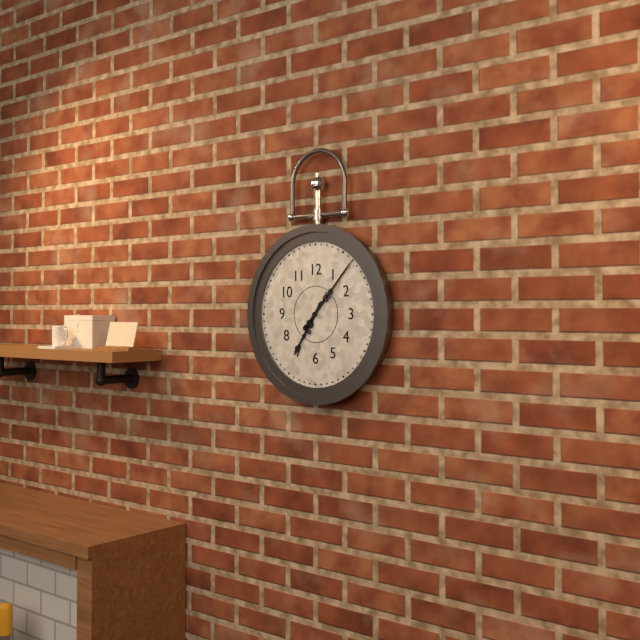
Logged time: 7:07
